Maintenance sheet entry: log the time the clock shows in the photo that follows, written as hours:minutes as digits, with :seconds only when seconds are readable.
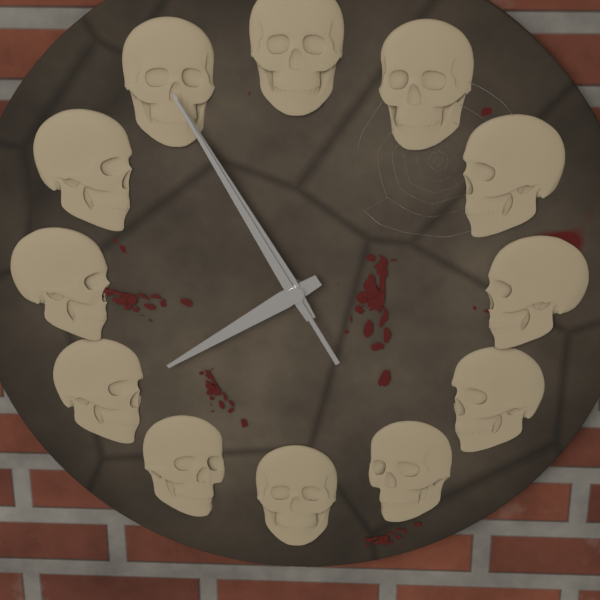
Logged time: 7:55:55
